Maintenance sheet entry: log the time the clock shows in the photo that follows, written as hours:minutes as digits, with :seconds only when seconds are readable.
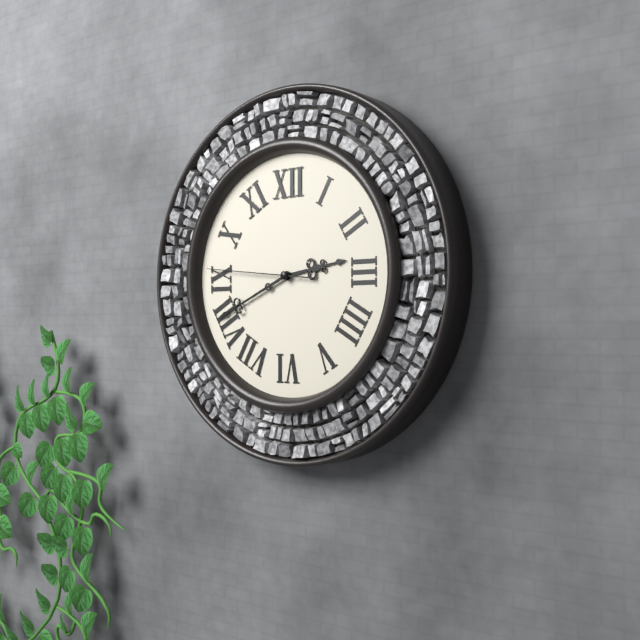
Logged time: 2:41:46
